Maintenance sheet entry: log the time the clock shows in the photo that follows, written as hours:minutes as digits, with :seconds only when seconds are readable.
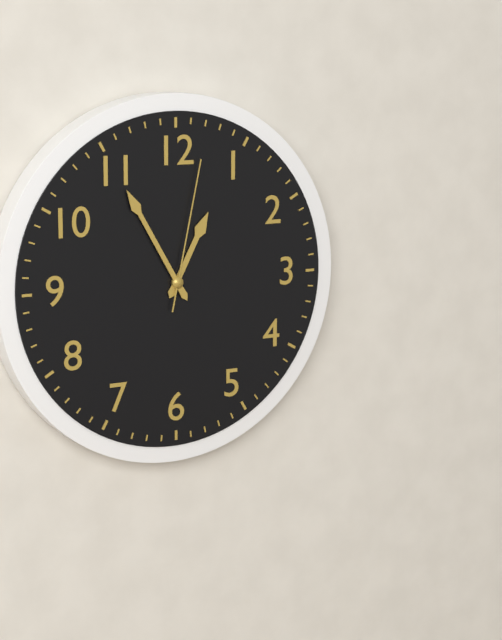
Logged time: 12:55:02
